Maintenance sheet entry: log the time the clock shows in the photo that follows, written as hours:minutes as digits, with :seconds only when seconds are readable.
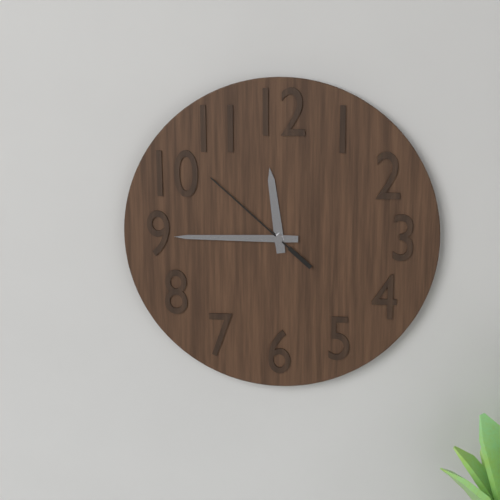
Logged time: 11:45:52
